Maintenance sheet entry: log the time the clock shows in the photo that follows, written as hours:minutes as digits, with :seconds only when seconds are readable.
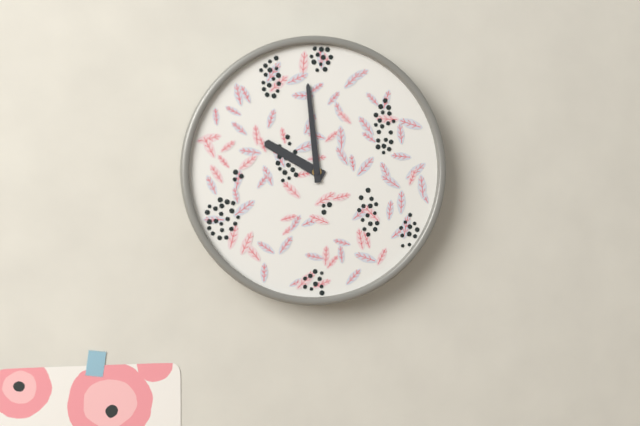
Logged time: 9:59
